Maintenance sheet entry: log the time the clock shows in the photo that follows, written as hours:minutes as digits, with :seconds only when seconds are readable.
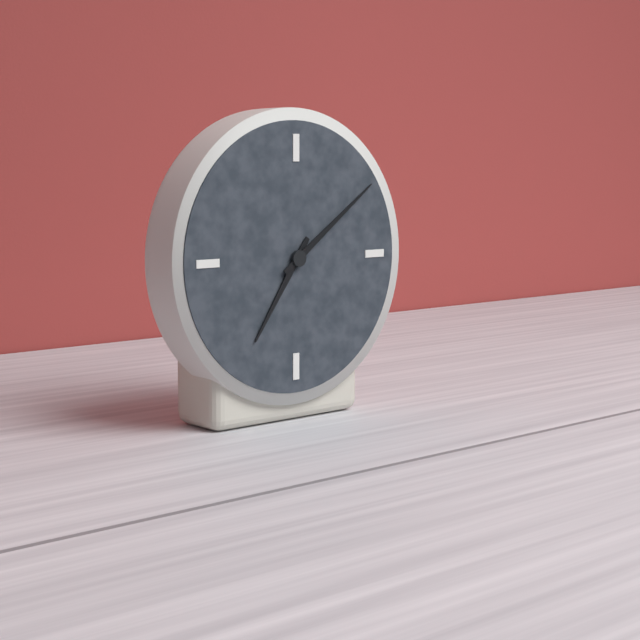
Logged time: 7:09
